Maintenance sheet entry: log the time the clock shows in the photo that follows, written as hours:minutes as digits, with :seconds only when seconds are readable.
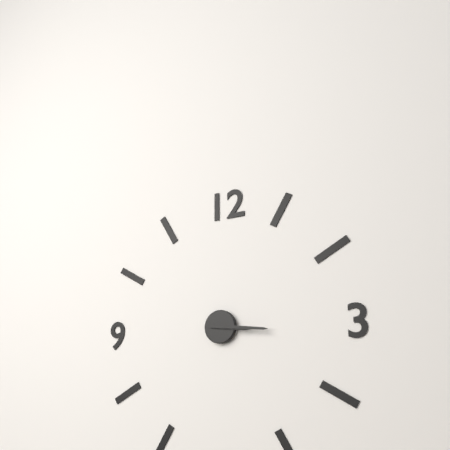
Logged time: 3:16
